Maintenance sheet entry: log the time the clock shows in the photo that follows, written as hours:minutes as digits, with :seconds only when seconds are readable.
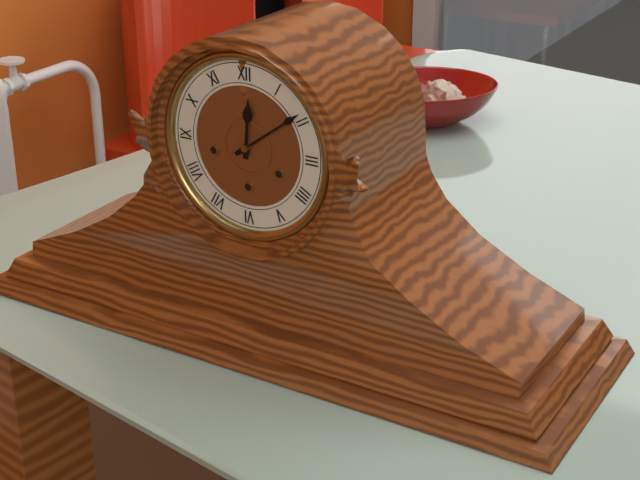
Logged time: 12:09
